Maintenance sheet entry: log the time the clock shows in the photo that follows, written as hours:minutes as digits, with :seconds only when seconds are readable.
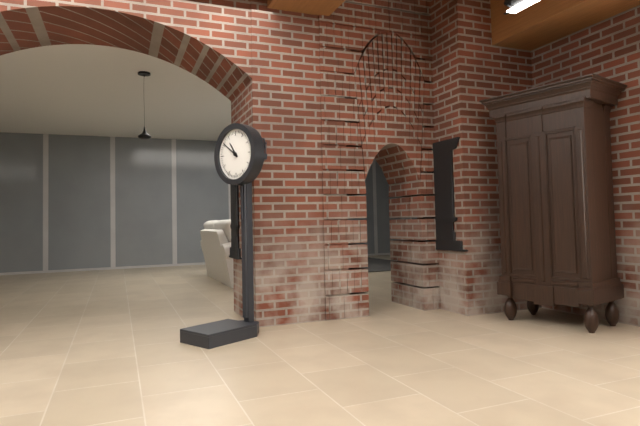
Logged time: 10:51
